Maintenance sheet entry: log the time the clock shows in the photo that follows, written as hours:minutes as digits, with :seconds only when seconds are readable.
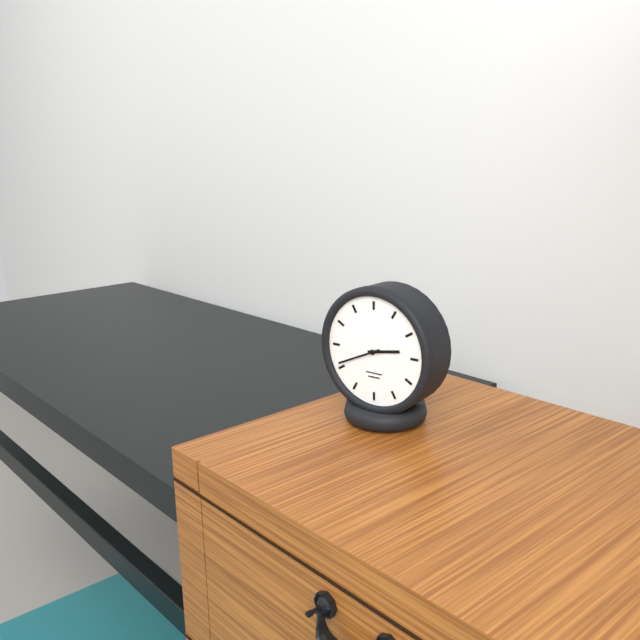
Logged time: 2:41
